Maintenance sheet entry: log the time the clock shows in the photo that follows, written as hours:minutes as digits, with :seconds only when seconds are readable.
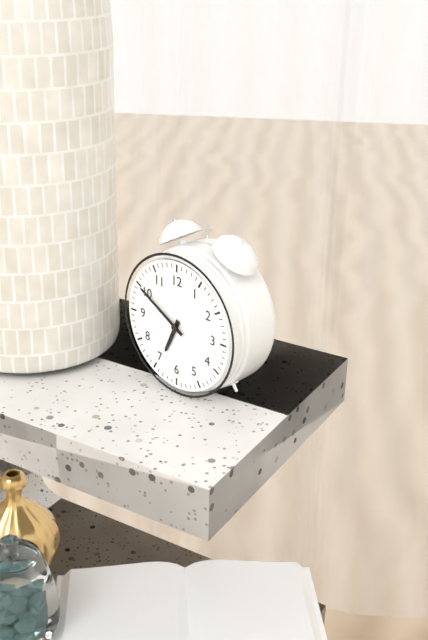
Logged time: 6:50
